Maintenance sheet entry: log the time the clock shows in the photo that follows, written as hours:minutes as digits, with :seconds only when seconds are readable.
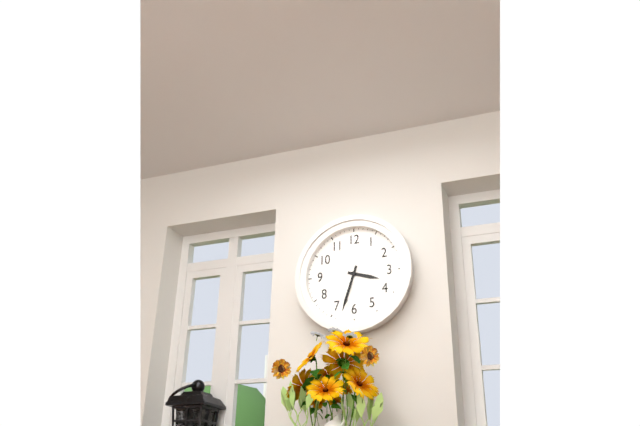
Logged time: 3:33
